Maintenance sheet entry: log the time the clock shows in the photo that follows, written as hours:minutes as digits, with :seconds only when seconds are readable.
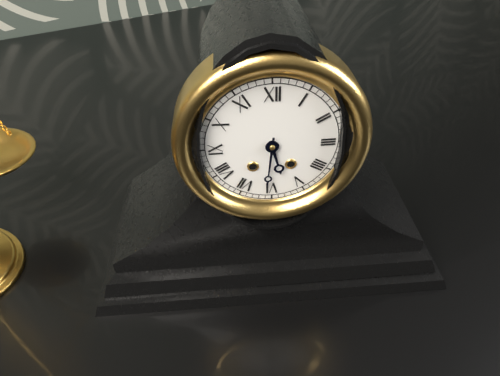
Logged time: 5:31
